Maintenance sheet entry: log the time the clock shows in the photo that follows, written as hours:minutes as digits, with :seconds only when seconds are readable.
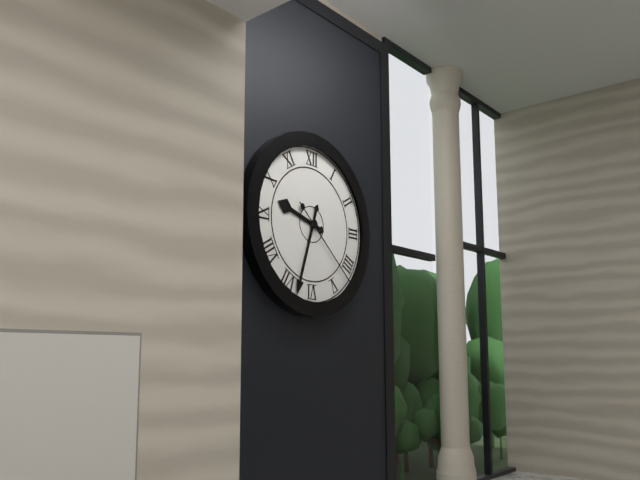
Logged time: 9:33:22
